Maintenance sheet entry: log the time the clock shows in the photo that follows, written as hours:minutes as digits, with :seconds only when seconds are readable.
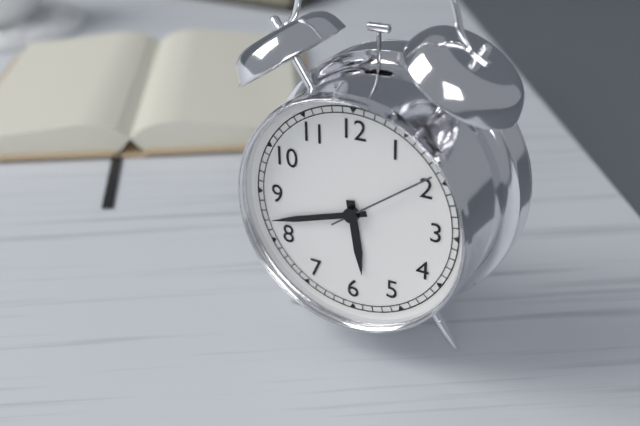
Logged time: 5:42:09
